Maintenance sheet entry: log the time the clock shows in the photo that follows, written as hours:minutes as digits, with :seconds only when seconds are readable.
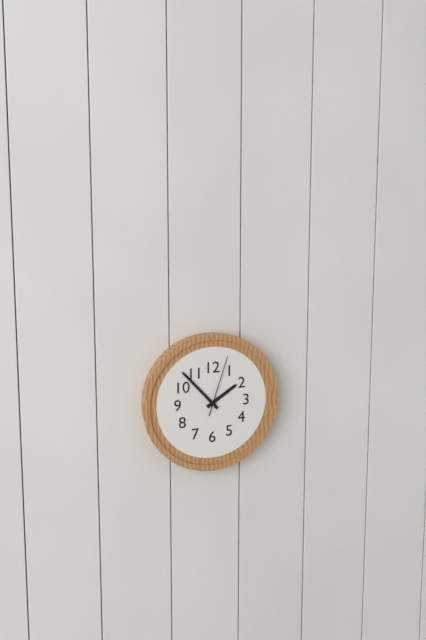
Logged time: 1:53:03
